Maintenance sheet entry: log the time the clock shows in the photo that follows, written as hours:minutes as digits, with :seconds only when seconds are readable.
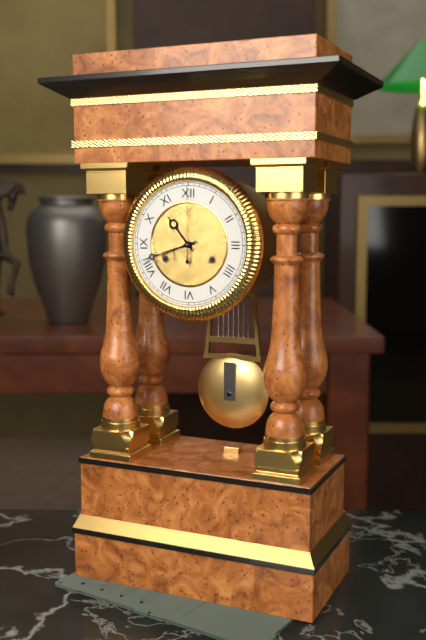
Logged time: 10:42:00
